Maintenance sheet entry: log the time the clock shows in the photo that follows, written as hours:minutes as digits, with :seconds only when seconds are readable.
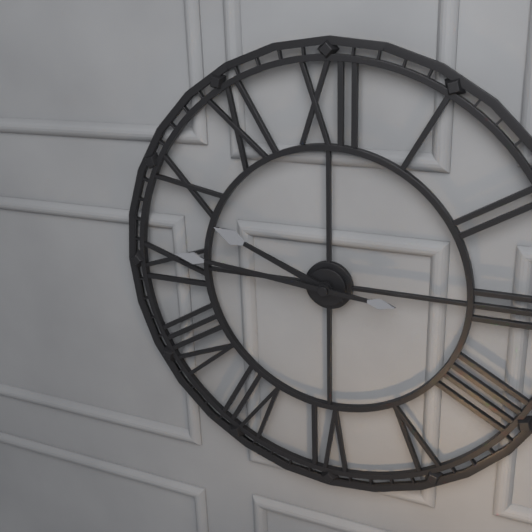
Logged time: 9:46
